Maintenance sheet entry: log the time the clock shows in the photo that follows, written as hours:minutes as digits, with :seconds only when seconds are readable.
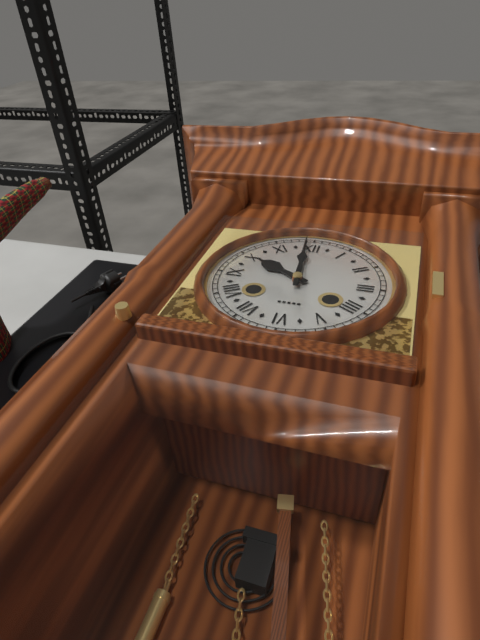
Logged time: 9:59
